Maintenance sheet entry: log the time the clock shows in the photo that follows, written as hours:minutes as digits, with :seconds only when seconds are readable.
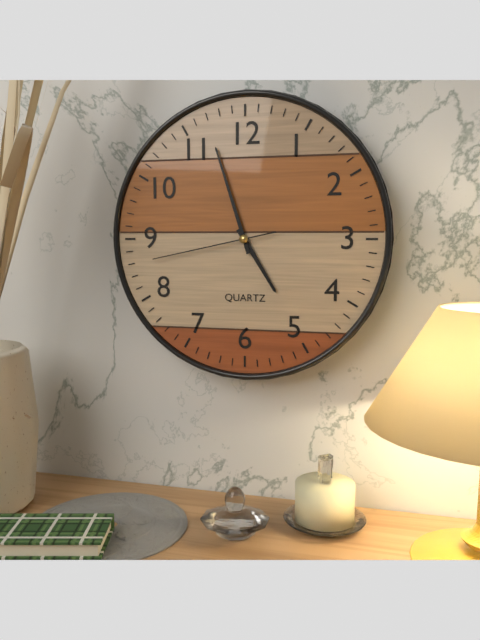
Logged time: 4:57:43
